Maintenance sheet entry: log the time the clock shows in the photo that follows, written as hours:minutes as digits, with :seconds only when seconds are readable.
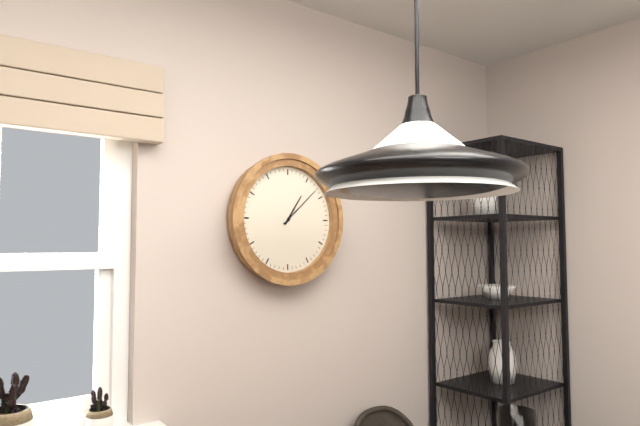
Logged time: 1:08
